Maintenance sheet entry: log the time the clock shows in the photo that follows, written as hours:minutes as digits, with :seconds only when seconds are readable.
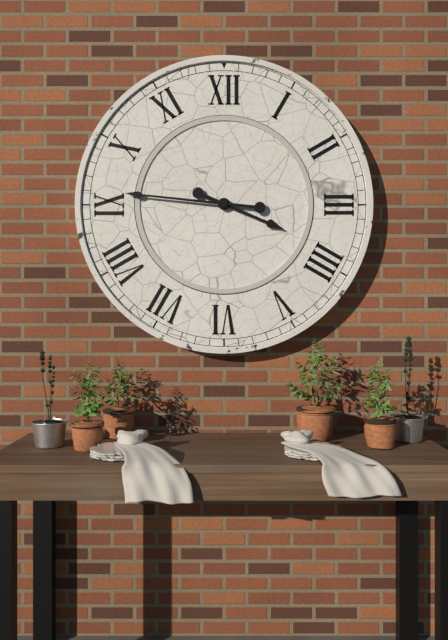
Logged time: 3:46
